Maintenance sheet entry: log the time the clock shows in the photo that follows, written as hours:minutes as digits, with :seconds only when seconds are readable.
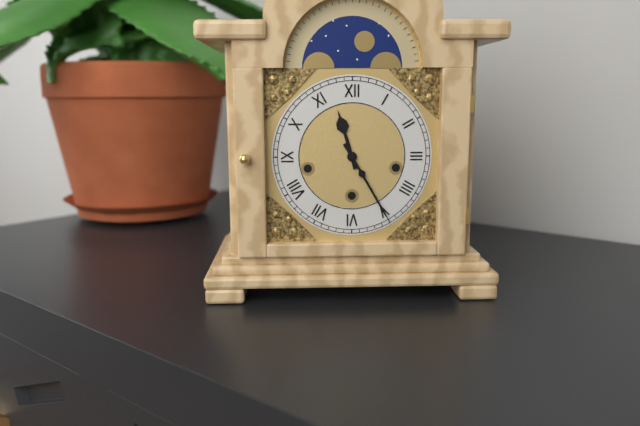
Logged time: 11:25
